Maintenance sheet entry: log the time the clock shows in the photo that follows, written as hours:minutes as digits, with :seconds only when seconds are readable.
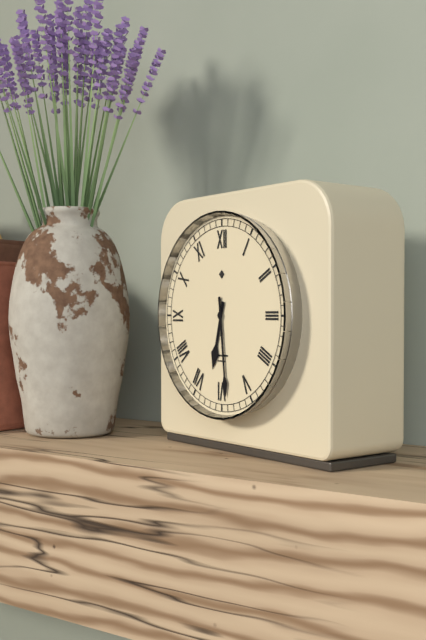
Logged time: 6:29
